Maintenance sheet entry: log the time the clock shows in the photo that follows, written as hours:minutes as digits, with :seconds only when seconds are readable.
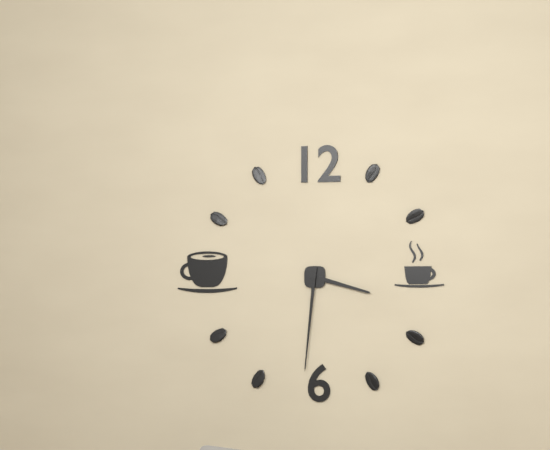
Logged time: 3:31
